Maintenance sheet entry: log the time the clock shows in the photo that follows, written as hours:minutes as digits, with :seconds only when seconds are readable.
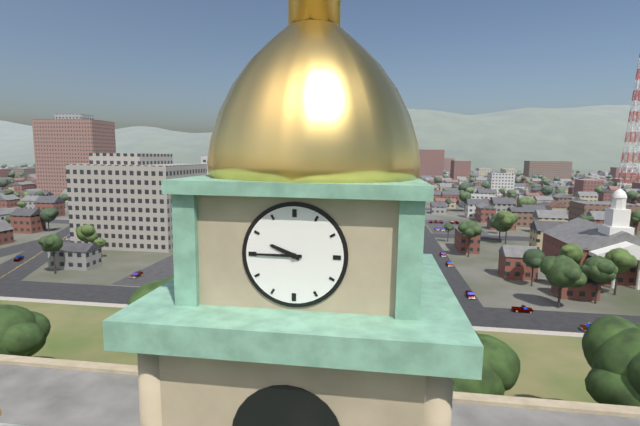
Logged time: 9:45
